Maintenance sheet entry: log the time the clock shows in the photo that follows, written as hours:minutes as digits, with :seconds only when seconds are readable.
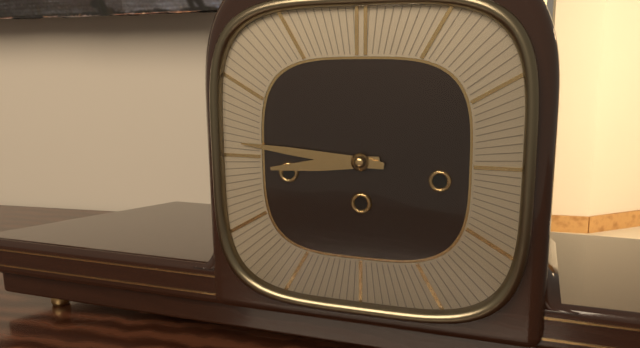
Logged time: 8:46
